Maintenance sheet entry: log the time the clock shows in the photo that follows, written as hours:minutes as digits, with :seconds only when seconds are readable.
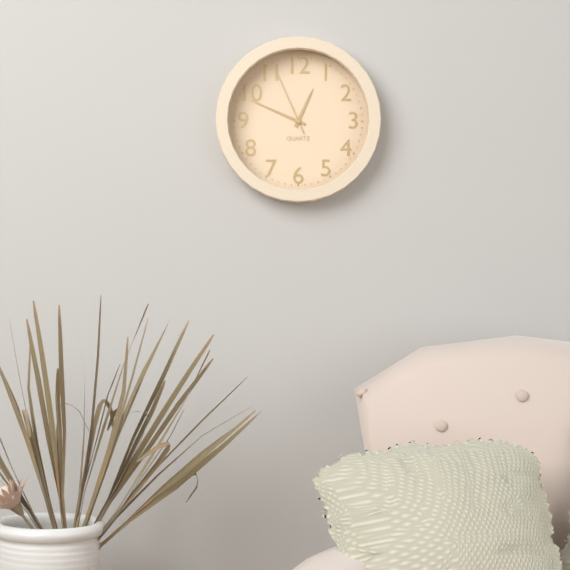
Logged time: 12:49:56
